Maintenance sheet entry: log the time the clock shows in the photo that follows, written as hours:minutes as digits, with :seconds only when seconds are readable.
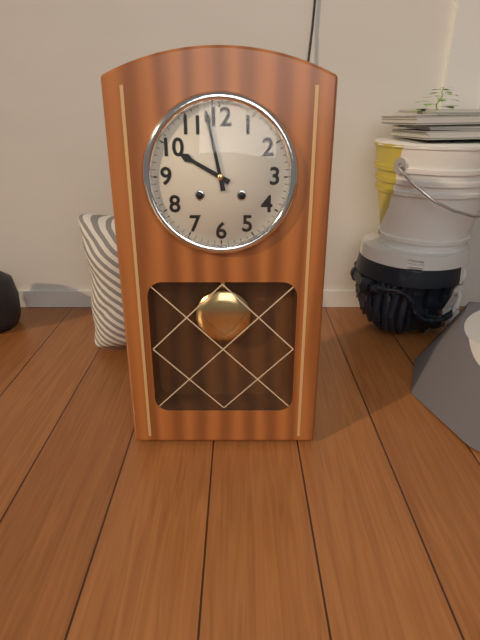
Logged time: 9:58
